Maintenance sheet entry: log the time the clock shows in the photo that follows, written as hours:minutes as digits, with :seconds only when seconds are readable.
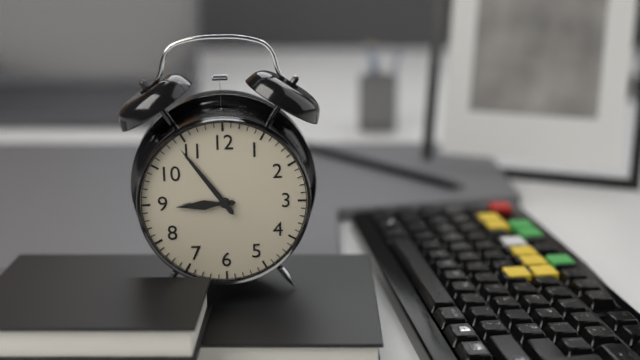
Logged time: 8:54
